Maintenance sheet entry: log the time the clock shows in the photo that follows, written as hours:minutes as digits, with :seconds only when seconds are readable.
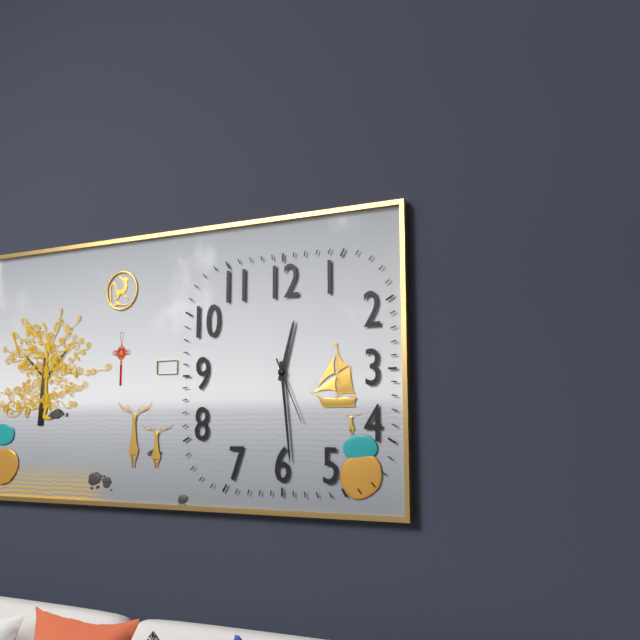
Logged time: 12:29:26
